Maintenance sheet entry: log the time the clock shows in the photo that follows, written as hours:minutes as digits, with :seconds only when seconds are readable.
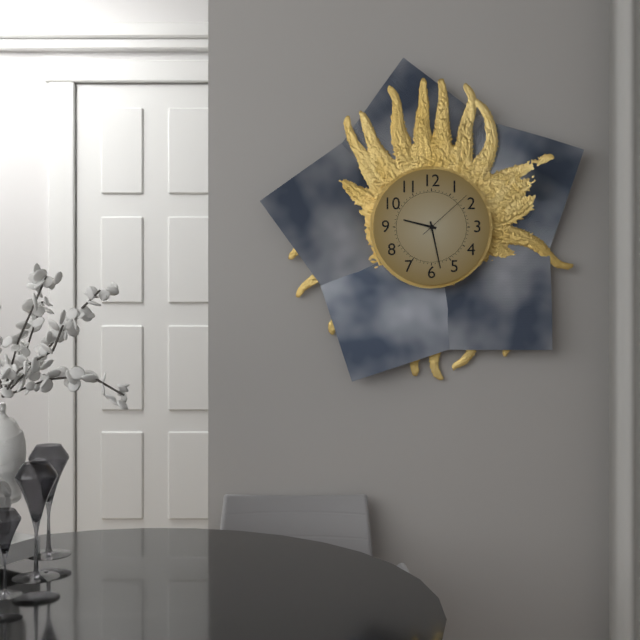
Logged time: 9:28:08
